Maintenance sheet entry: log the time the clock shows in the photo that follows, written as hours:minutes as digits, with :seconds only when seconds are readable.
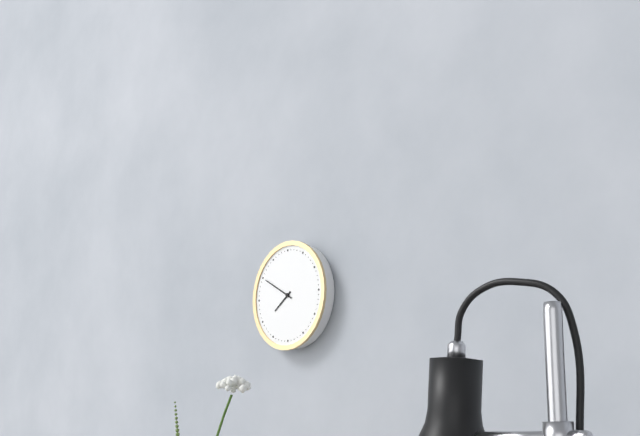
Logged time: 7:50
